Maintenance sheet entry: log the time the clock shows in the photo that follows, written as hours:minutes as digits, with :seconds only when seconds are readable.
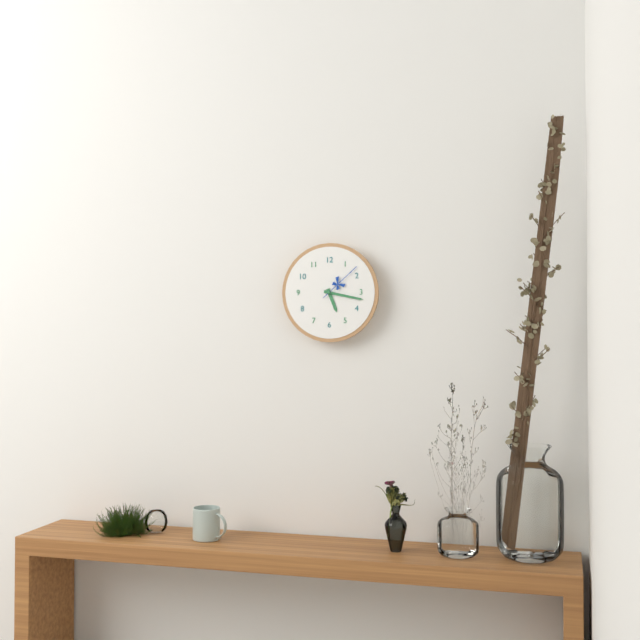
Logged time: 5:17
